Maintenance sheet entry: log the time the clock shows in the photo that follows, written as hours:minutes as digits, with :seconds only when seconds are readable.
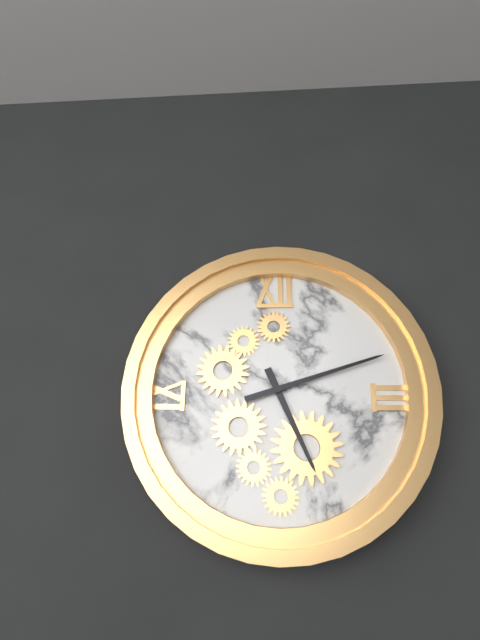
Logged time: 5:12
